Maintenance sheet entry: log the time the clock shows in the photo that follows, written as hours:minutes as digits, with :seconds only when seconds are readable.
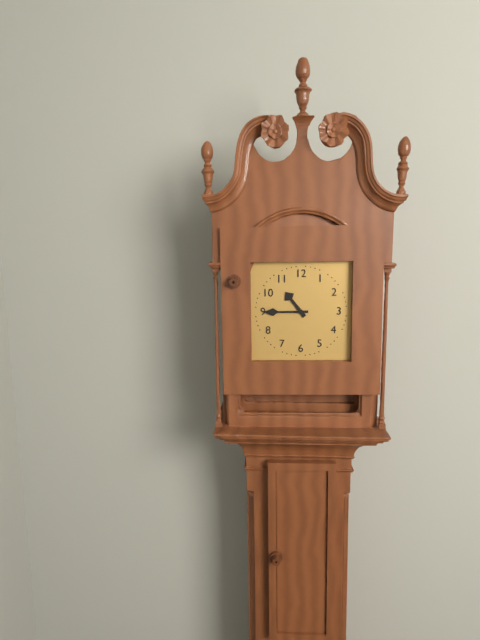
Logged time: 10:45
